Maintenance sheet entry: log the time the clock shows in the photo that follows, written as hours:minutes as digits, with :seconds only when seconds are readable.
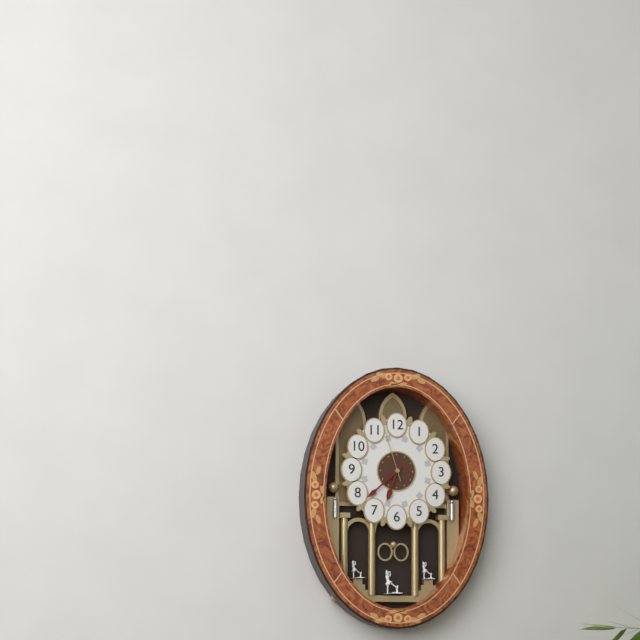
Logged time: 6:38:57
